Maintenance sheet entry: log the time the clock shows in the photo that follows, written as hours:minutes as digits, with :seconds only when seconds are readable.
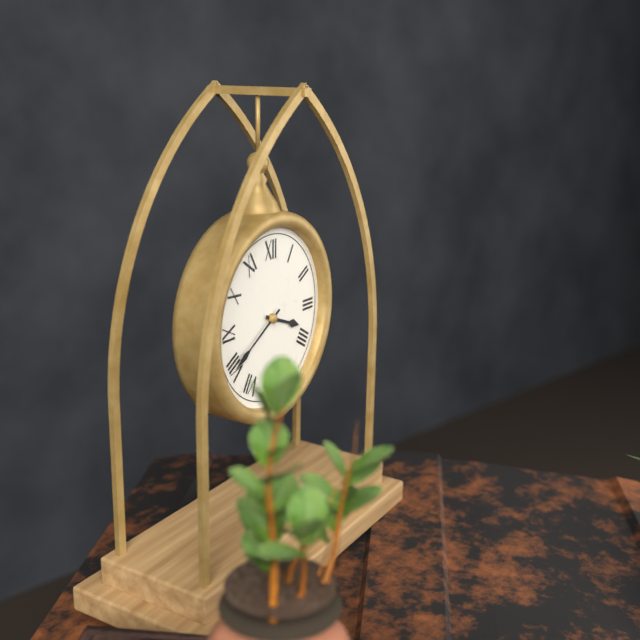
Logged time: 3:40
